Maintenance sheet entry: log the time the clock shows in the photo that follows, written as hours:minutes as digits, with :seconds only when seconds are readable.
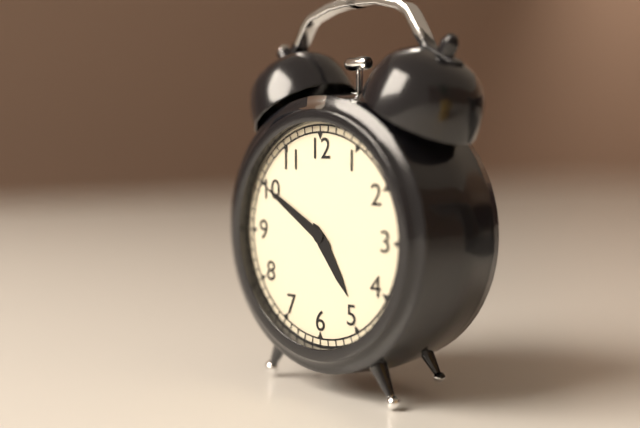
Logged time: 4:50
